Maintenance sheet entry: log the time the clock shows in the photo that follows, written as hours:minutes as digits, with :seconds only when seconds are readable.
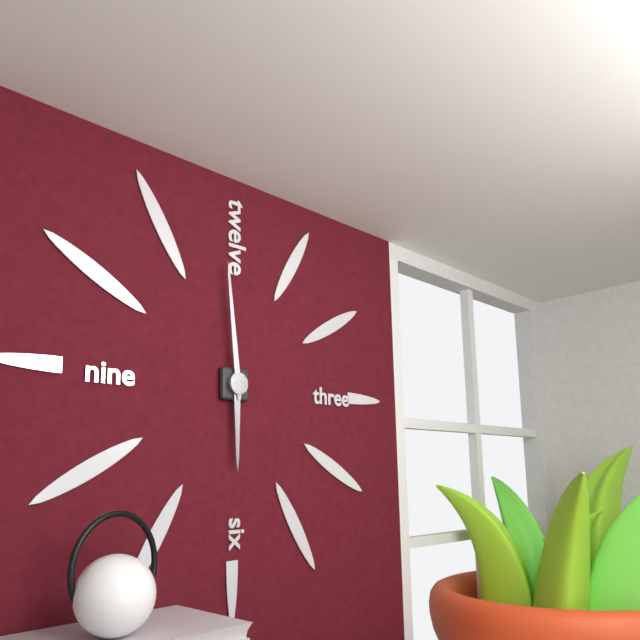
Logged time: 5:59
